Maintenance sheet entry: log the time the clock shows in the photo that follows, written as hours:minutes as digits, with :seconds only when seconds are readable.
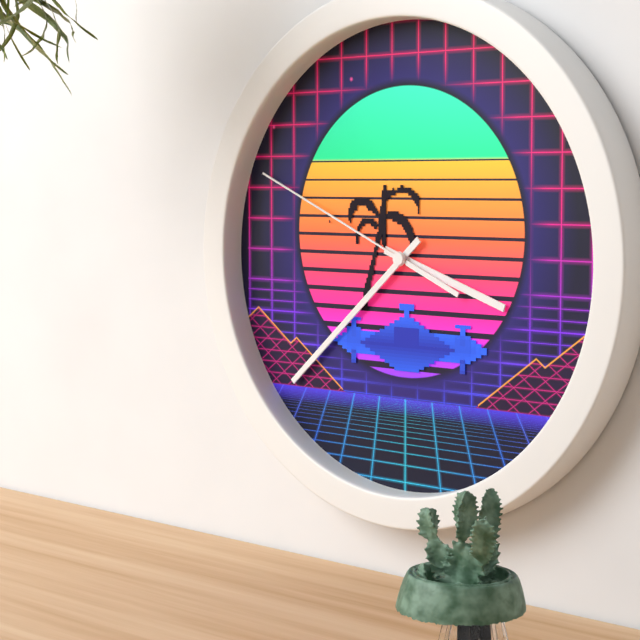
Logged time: 3:38:49
